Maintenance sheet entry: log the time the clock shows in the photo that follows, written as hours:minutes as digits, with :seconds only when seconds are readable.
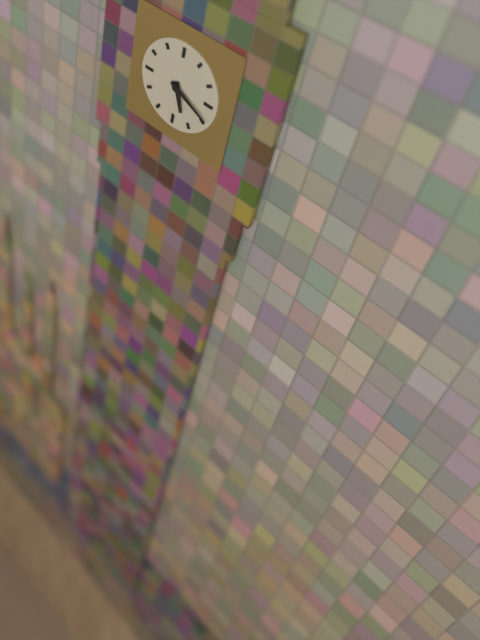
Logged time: 5:19
